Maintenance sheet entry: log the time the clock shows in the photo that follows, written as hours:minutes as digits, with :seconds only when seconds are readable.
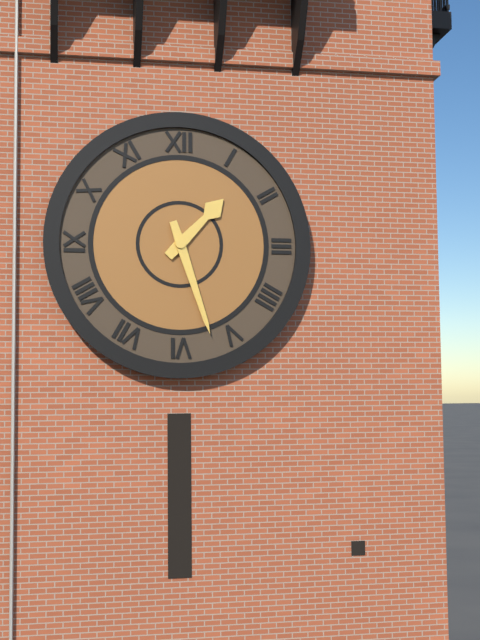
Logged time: 1:27
